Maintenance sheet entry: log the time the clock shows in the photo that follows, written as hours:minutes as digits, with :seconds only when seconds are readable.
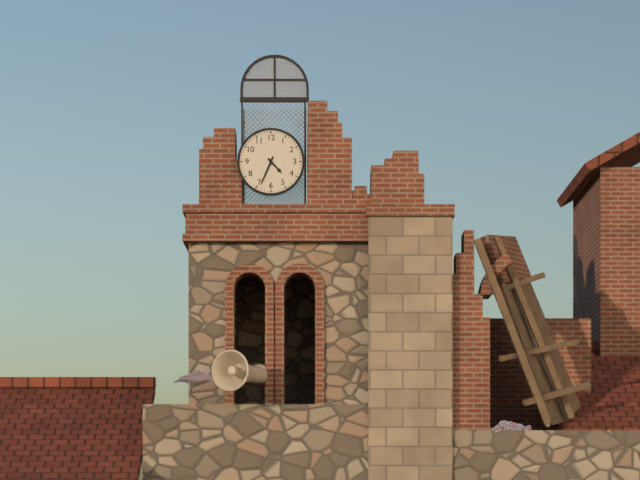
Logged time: 4:34
